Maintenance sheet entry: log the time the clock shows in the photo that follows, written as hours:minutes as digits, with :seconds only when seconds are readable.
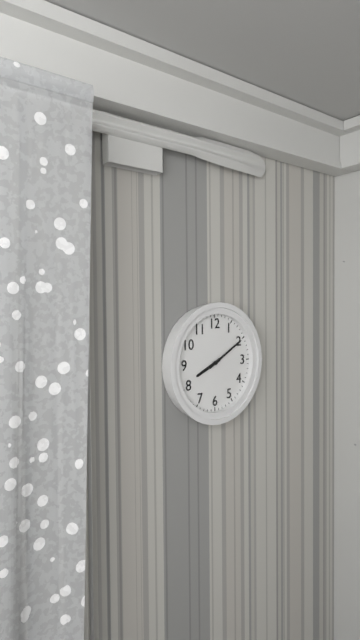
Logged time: 8:10
